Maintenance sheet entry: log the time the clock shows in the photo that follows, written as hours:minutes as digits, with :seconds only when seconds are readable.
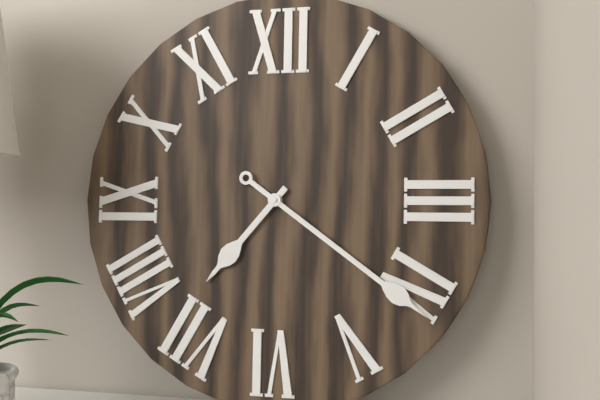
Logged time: 7:21
